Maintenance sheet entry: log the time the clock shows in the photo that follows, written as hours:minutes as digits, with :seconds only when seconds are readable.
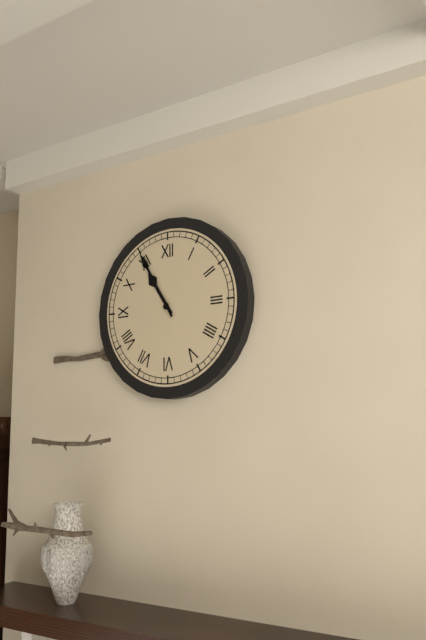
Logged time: 10:55
